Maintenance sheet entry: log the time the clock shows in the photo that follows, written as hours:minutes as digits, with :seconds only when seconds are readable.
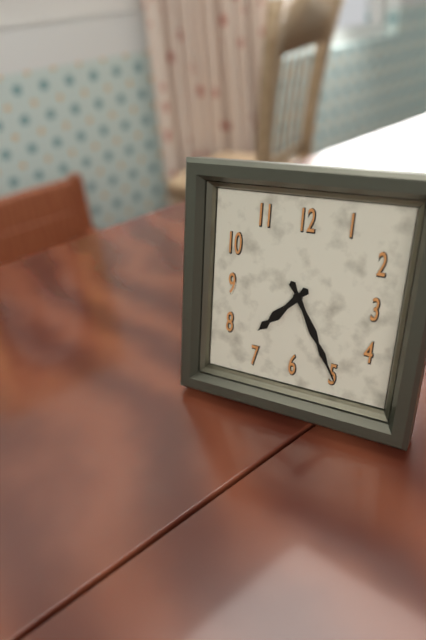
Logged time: 7:25
